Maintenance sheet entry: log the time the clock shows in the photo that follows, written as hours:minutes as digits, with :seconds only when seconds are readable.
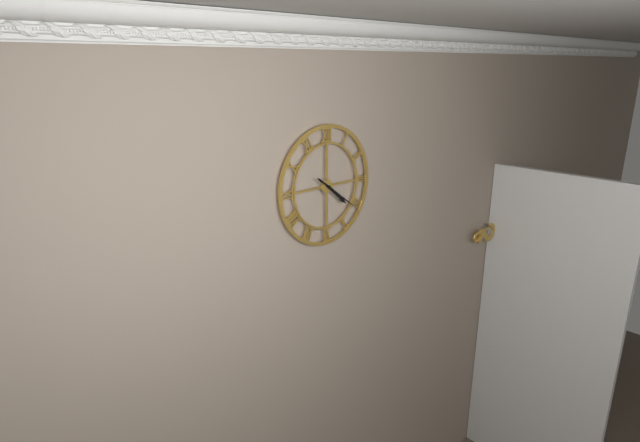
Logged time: 4:21
